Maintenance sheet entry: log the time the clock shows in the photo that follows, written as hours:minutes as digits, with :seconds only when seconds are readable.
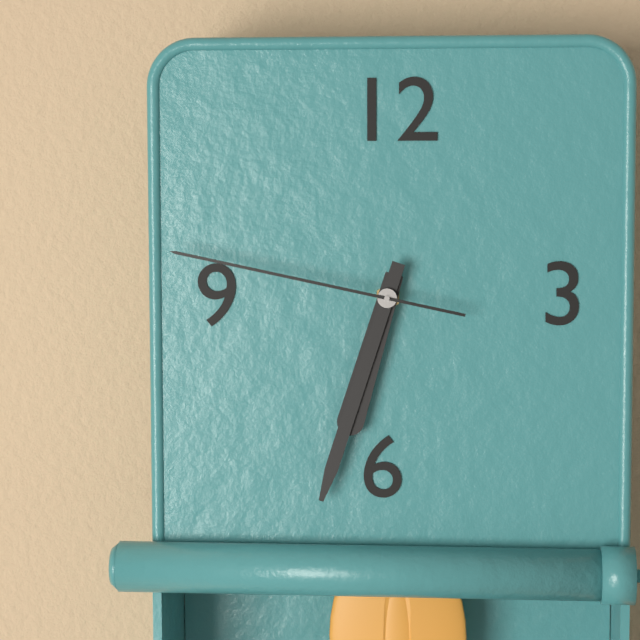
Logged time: 6:33:47
